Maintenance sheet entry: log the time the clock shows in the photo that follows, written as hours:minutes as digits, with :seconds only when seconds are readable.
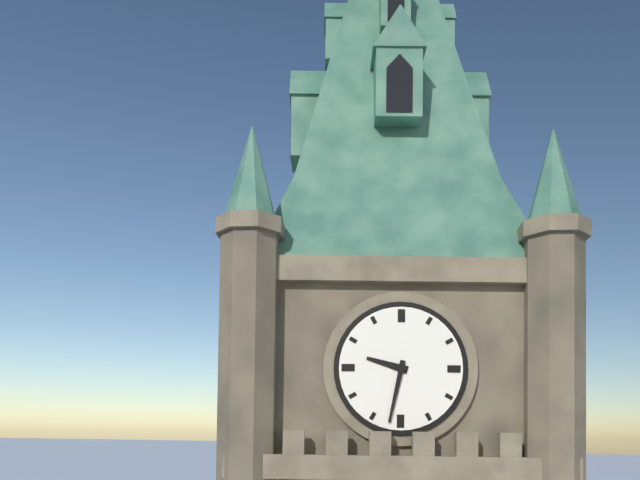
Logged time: 9:32
